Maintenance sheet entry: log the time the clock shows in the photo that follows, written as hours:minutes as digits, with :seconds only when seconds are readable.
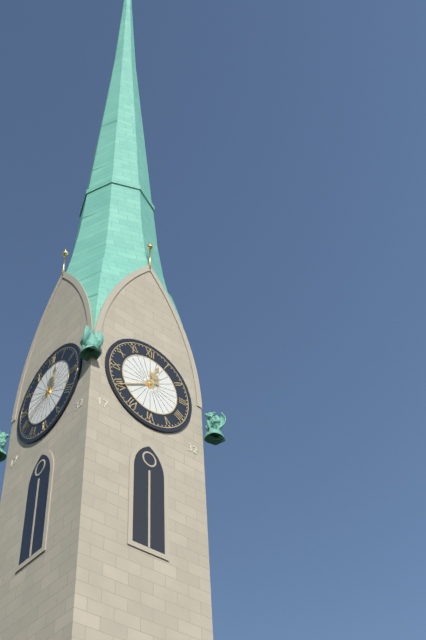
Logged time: 12:40
